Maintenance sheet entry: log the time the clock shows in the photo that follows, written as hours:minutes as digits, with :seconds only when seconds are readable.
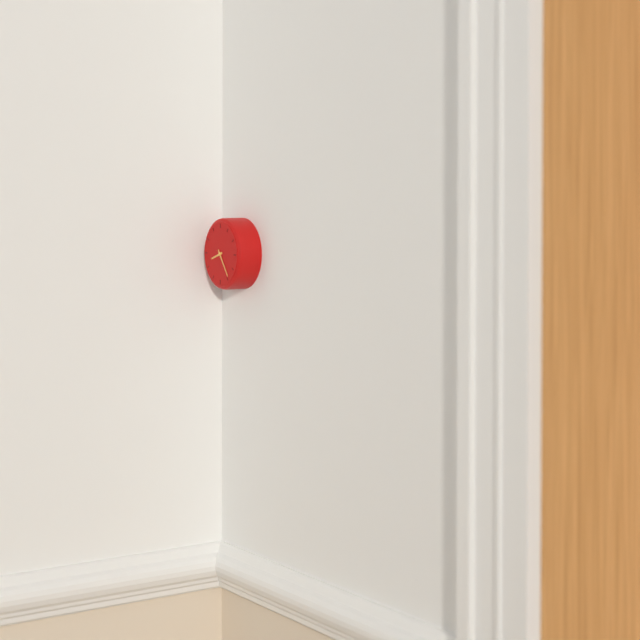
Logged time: 8:24
